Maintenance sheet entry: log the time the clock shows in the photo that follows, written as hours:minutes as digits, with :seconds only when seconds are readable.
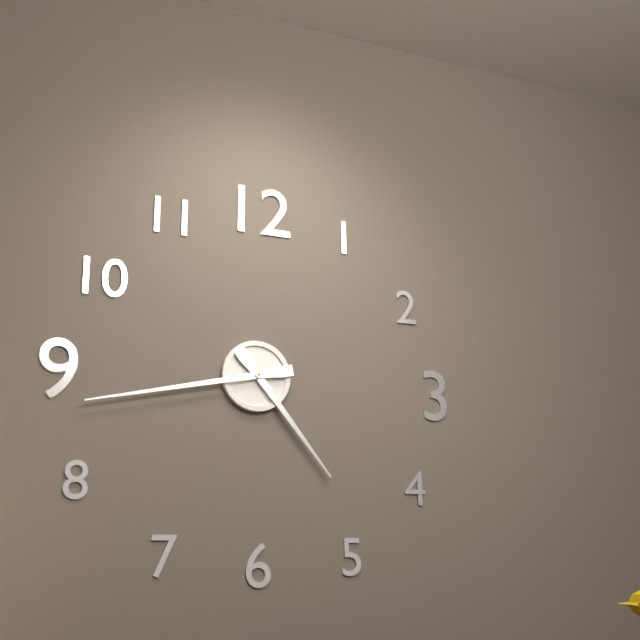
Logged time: 4:43
